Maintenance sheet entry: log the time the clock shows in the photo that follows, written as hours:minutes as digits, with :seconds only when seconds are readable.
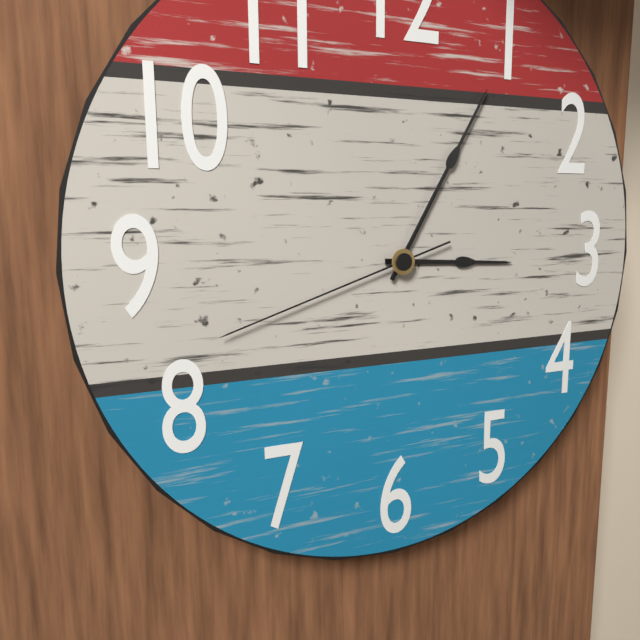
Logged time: 3:05:42
